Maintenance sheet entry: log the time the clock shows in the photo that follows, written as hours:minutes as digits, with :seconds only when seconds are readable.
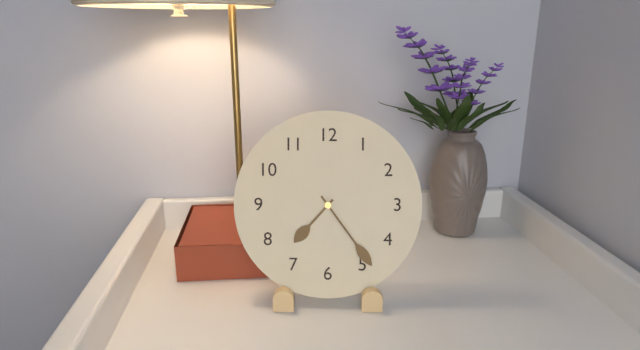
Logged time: 7:24
